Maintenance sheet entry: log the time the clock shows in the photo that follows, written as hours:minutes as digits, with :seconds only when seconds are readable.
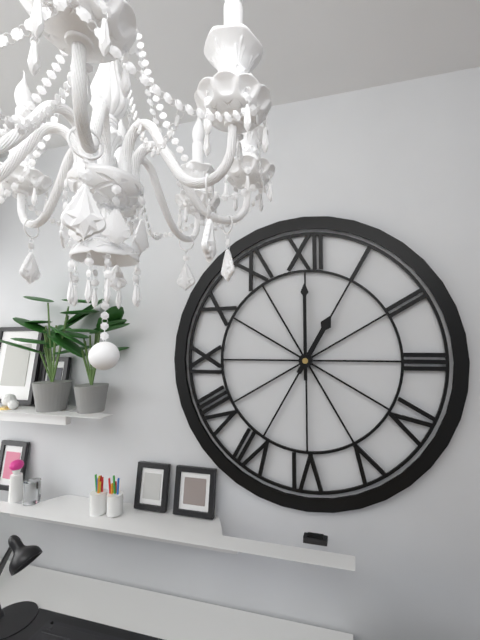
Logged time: 1:00
